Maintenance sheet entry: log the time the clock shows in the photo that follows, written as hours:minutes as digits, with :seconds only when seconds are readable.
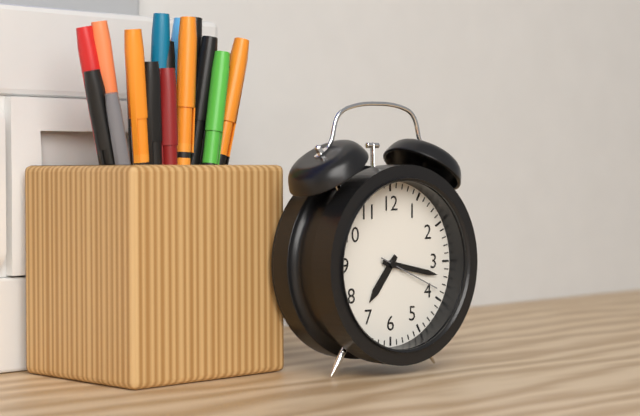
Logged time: 7:17:19
